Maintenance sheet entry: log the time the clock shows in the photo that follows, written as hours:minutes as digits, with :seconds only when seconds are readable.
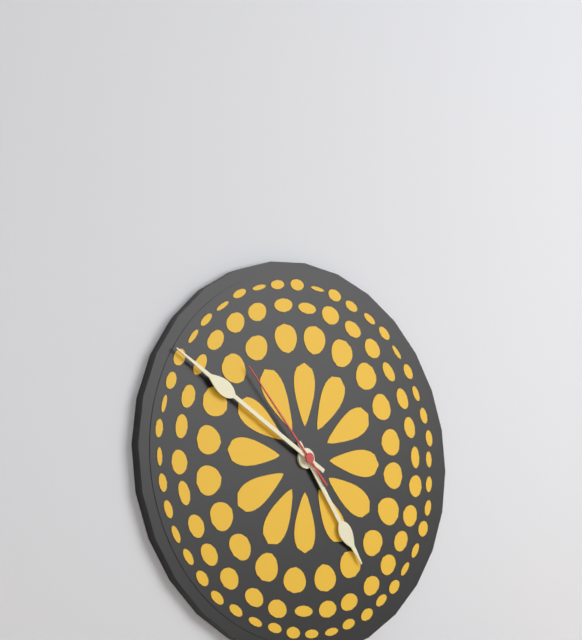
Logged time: 4:50:53
